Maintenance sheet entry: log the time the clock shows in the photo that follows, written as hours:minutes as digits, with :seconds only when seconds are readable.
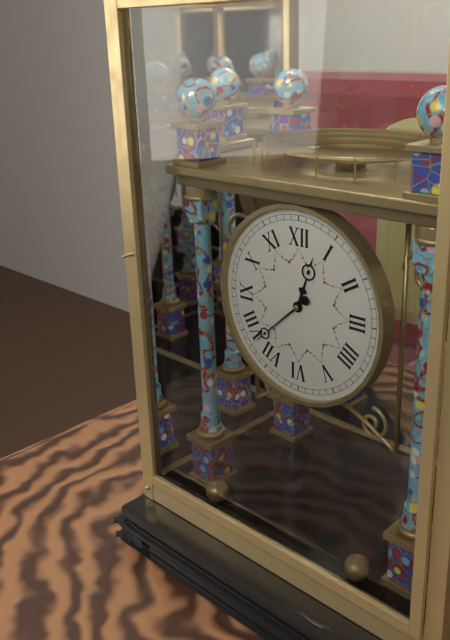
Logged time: 12:38
